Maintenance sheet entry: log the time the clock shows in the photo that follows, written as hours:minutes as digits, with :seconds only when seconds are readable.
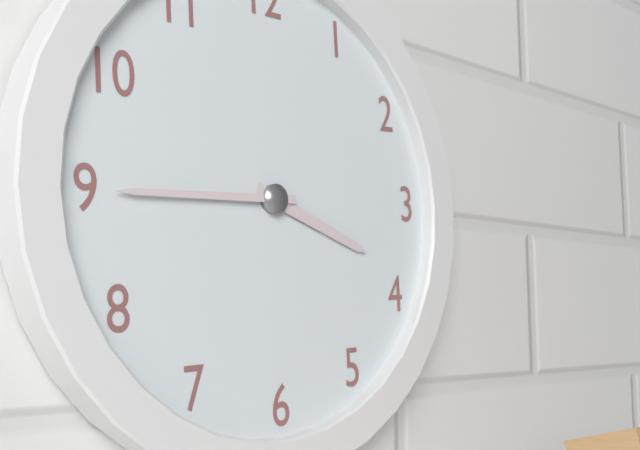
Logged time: 3:45
